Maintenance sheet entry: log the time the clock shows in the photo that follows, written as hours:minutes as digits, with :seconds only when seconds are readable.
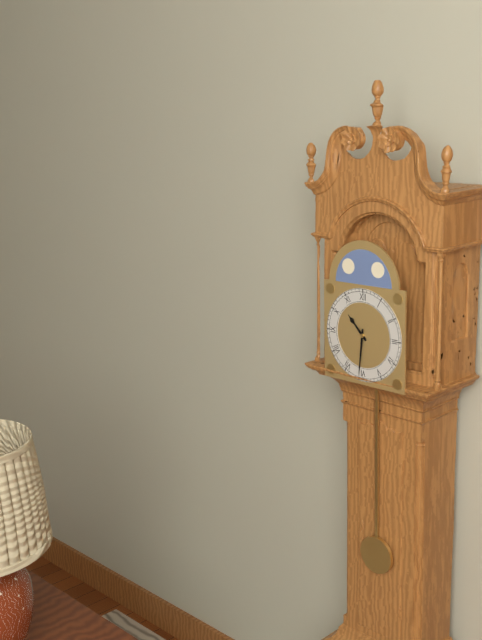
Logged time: 10:31
